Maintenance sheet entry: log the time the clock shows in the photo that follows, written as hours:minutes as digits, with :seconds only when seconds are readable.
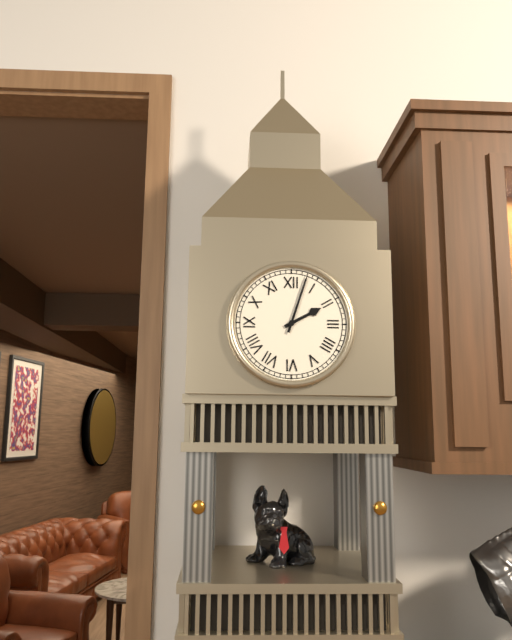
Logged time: 2:03
